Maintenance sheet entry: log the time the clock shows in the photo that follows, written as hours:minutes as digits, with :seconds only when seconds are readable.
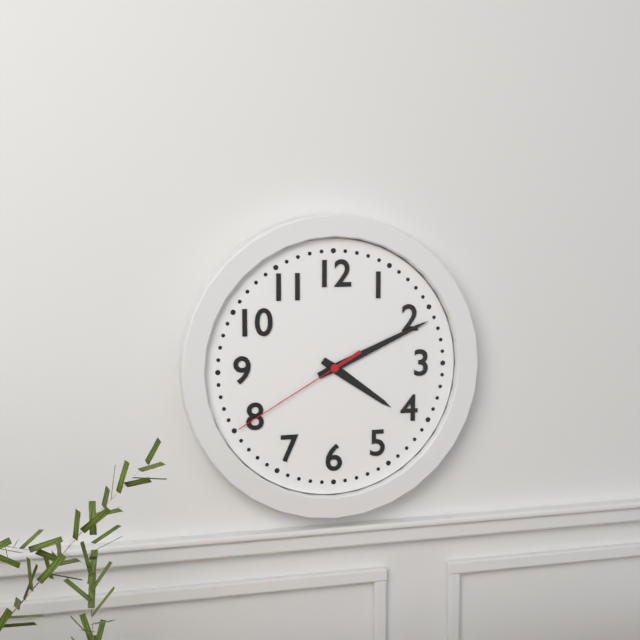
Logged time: 4:11:40
